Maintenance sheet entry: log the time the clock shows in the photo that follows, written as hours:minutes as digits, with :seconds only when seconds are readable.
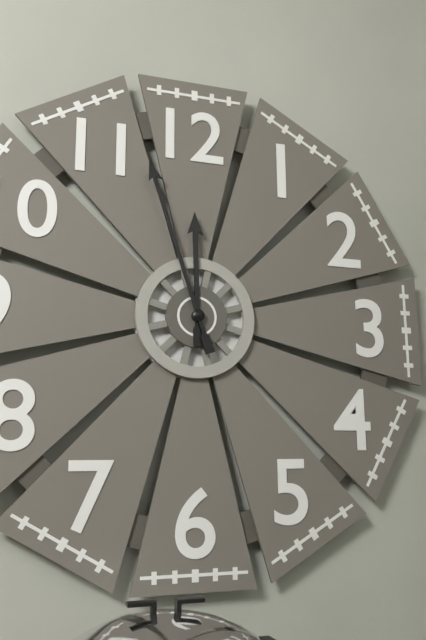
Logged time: 11:57
